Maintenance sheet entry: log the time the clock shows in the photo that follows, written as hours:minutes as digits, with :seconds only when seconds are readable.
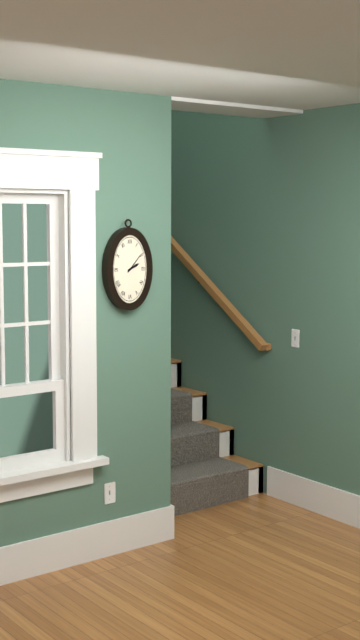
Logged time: 2:07
